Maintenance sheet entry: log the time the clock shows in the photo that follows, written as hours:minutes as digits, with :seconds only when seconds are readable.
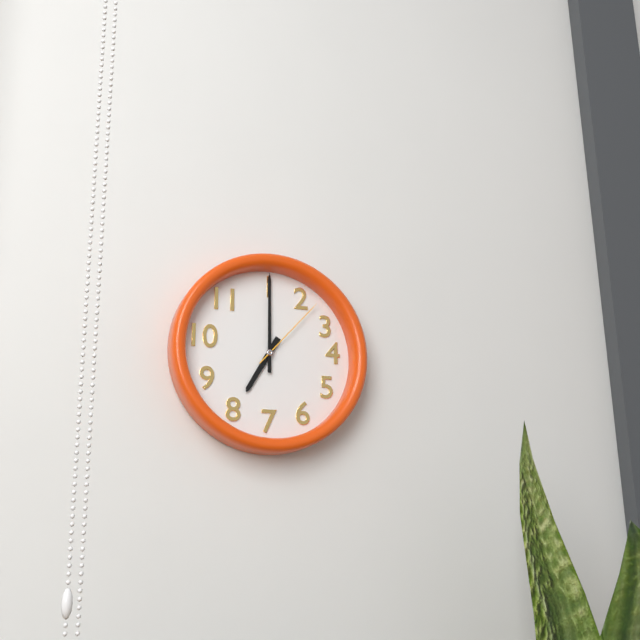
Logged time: 7:00:07
